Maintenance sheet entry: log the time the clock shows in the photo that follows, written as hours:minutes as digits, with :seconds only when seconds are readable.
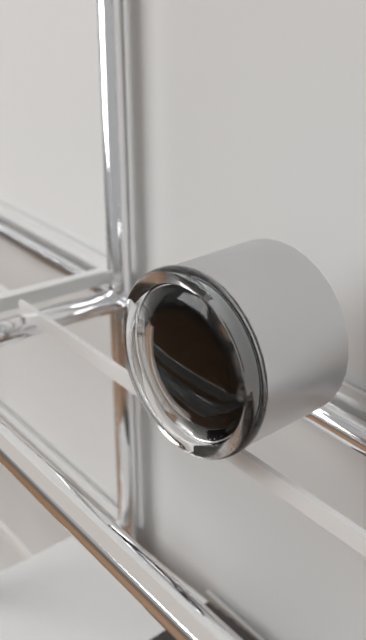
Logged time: 1:08:58
